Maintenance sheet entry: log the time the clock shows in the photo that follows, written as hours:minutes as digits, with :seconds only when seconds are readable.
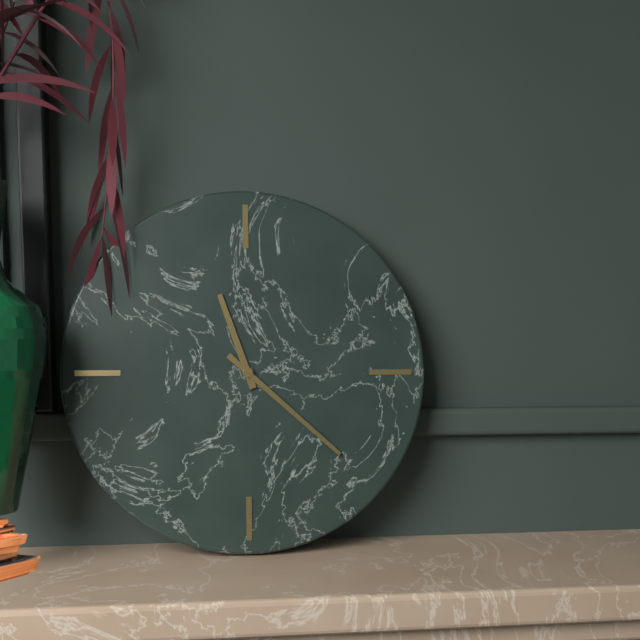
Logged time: 11:22
